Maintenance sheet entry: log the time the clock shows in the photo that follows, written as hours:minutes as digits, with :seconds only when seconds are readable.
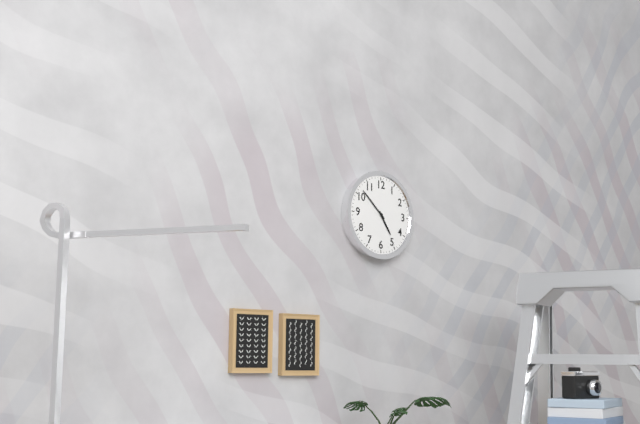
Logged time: 4:52
